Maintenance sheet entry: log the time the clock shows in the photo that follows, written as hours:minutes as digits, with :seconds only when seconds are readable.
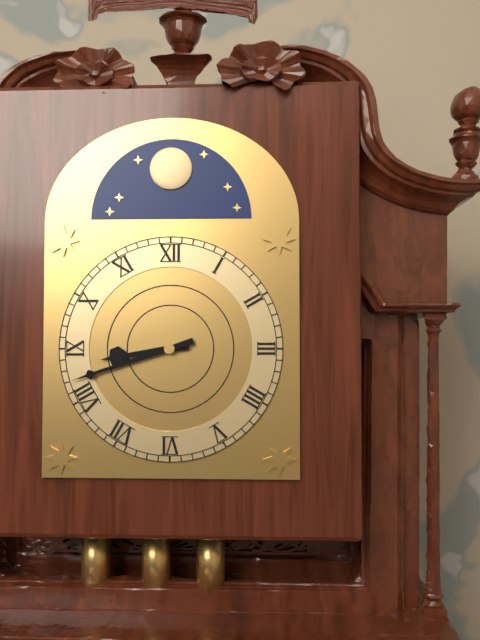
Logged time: 8:42
